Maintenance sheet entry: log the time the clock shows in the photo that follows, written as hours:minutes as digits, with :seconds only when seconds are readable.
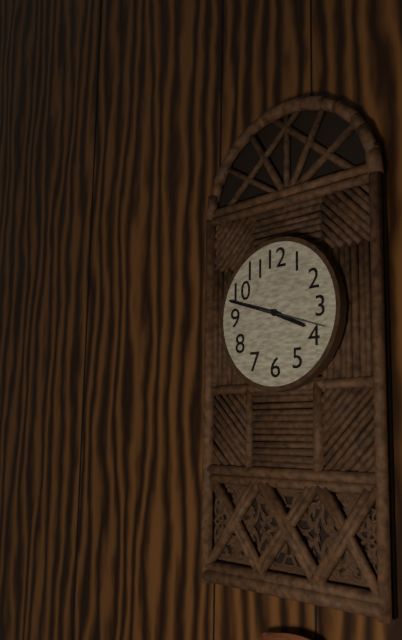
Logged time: 3:48:18
